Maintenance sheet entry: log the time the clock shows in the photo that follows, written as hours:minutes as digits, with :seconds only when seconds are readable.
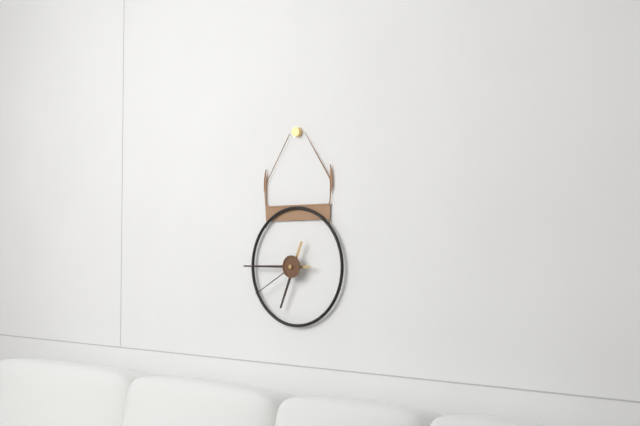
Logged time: 6:45:40
